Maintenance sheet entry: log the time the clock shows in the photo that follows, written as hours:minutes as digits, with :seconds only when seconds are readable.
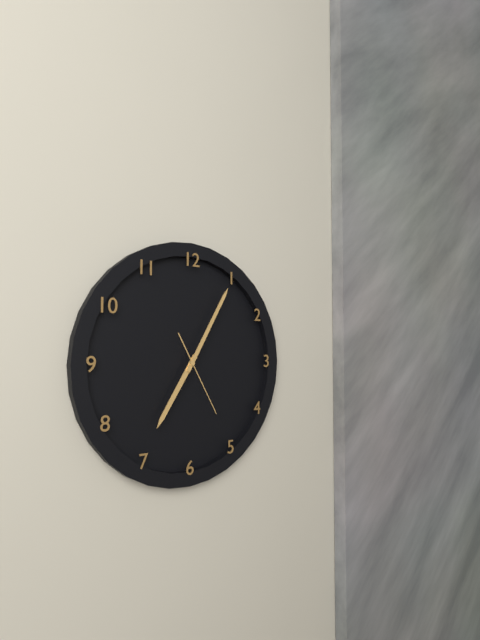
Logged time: 7:05:25
